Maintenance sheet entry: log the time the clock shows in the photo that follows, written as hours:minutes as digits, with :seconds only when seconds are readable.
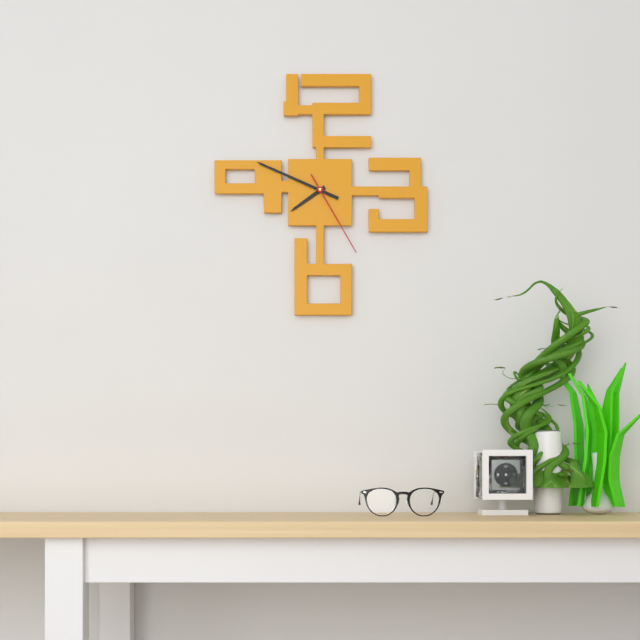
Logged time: 7:49:25
